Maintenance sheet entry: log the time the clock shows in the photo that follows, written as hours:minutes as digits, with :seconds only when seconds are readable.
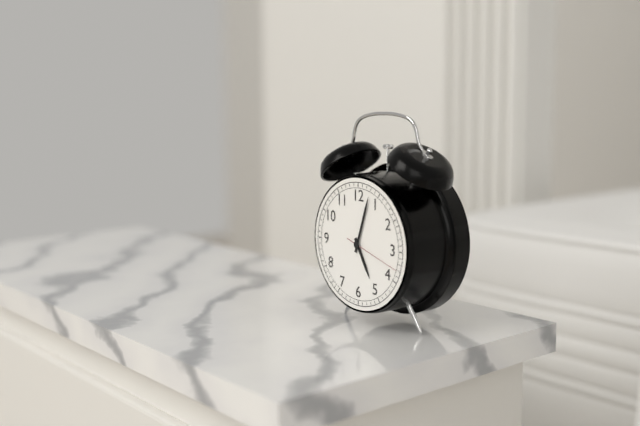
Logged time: 5:03:18
